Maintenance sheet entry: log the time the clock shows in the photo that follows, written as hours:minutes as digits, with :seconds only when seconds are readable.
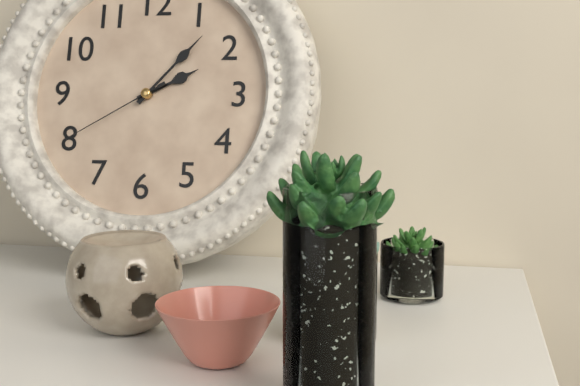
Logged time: 2:07:40
